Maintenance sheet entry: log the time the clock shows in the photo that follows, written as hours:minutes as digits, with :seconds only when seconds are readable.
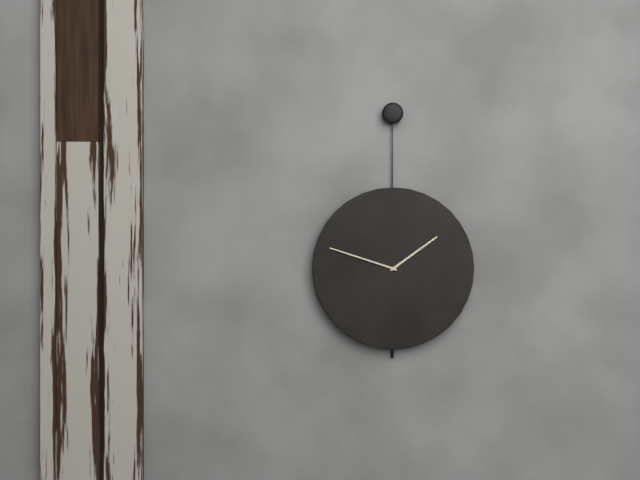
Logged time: 1:48
